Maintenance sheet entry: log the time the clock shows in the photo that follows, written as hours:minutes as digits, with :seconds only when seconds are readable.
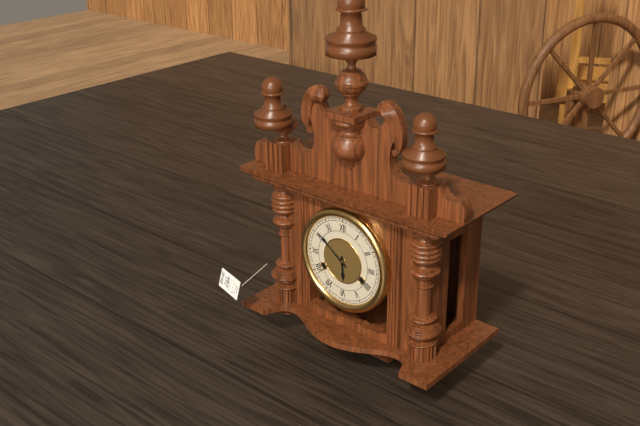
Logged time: 5:51
